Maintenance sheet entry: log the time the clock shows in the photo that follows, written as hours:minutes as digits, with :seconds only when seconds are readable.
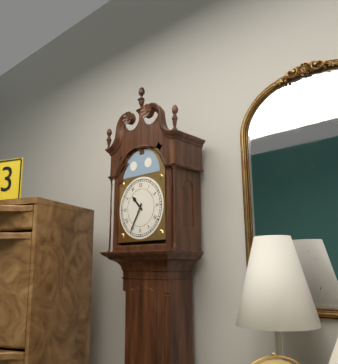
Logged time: 10:35
